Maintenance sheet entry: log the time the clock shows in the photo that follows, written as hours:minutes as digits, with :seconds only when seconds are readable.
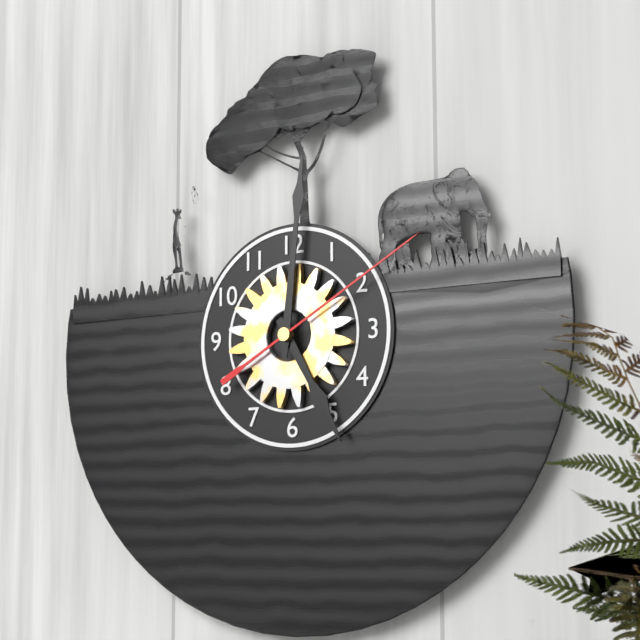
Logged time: 5:01:10
